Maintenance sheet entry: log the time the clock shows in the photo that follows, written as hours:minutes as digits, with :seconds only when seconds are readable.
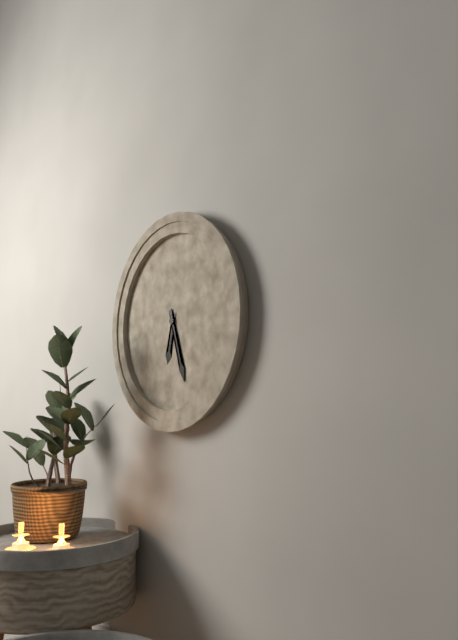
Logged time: 6:27
